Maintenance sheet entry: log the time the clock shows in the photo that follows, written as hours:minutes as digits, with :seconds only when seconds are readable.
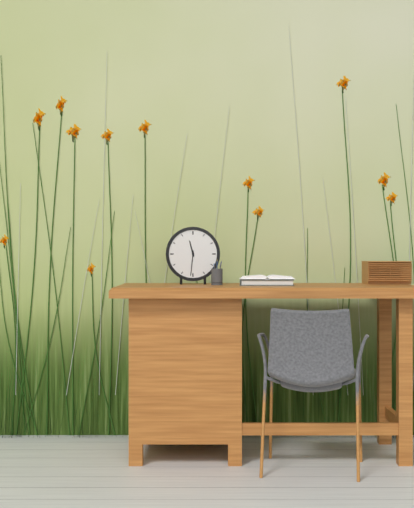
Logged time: 11:31
